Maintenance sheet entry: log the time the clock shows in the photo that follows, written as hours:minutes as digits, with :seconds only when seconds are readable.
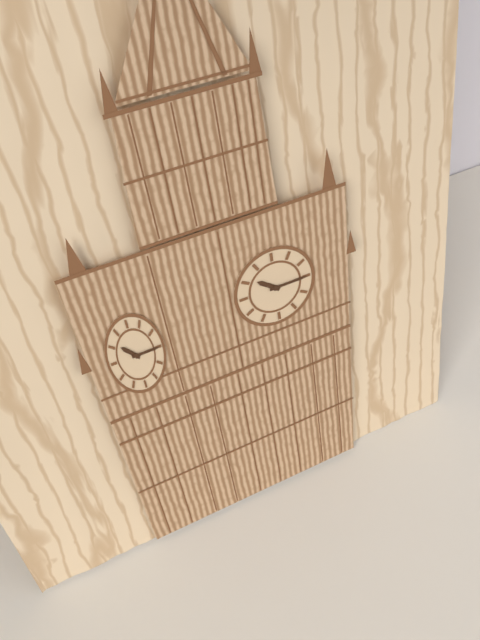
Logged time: 10:15
